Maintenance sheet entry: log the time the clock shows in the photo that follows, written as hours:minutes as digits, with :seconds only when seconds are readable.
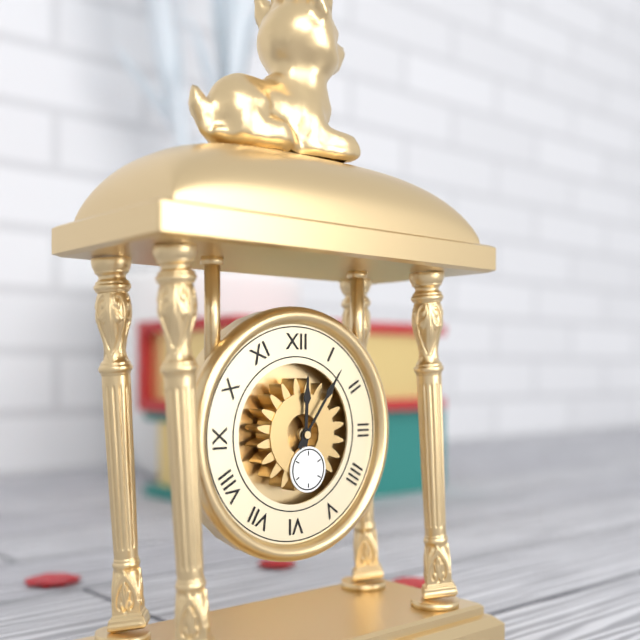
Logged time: 12:06
